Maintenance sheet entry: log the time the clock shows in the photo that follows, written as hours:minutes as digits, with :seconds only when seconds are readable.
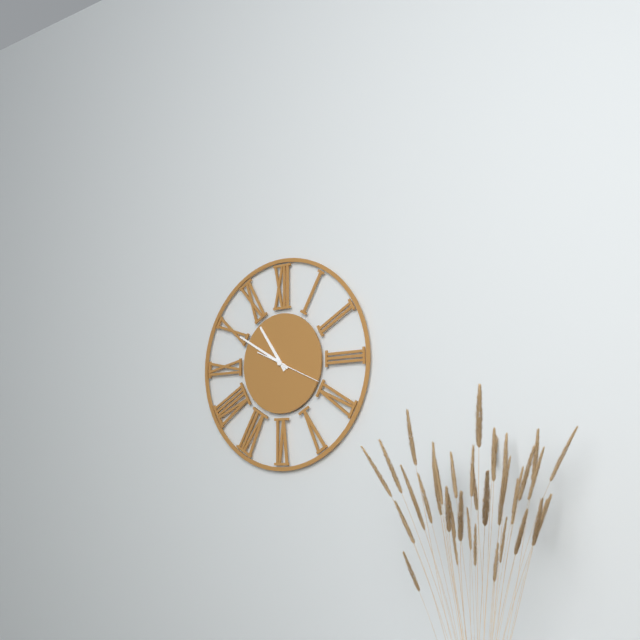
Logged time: 10:50:19
